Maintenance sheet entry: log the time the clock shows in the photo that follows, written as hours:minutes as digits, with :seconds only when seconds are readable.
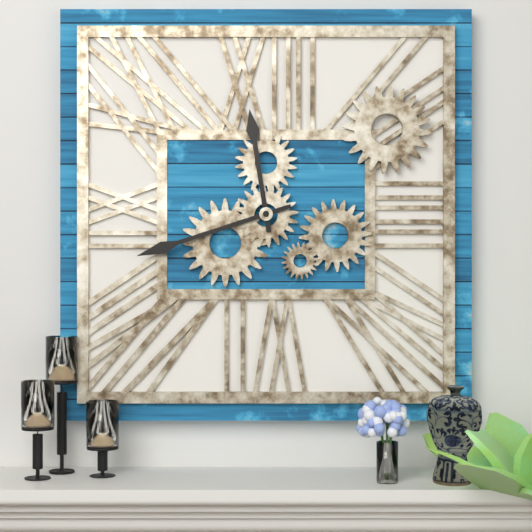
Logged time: 11:42
